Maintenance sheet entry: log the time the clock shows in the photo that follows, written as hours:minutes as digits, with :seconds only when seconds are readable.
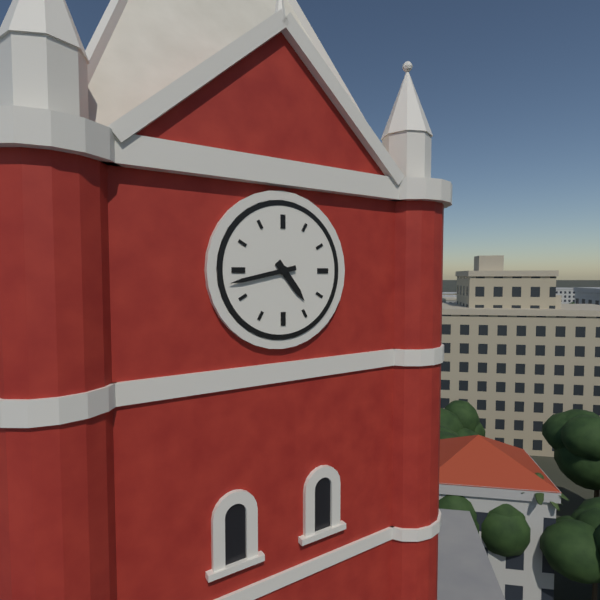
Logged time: 4:43
